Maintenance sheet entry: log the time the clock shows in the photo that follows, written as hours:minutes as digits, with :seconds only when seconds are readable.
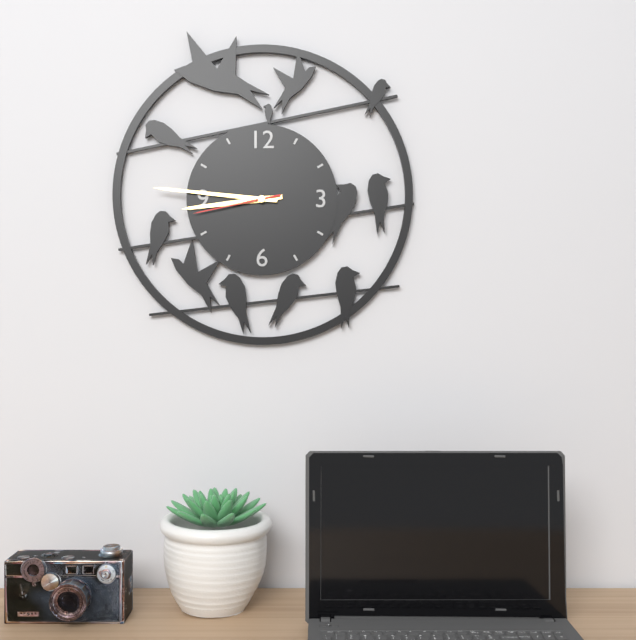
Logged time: 8:46:43
